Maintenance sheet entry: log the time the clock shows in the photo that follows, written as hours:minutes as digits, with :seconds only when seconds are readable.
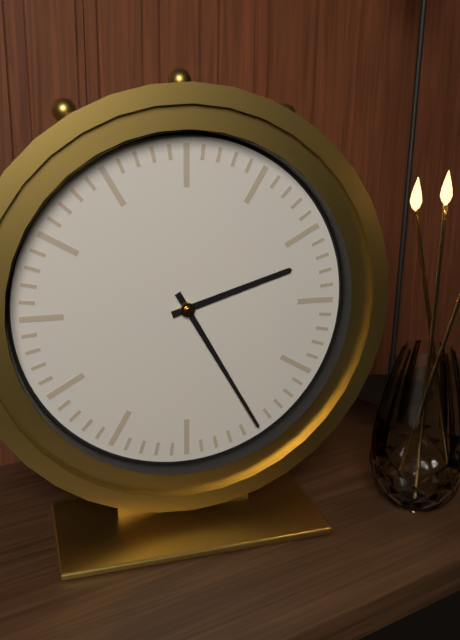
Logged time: 2:25
